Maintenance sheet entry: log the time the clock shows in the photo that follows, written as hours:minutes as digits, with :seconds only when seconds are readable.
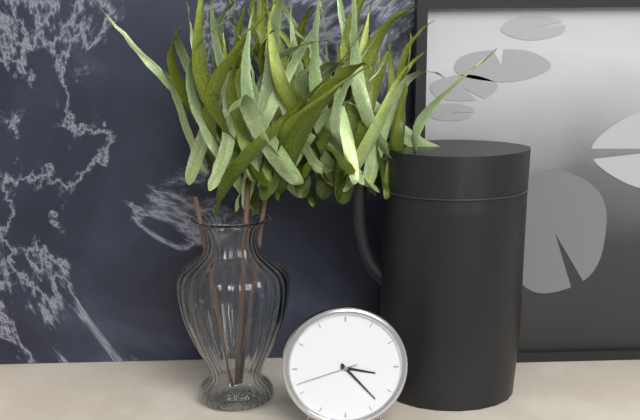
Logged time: 3:23:42
